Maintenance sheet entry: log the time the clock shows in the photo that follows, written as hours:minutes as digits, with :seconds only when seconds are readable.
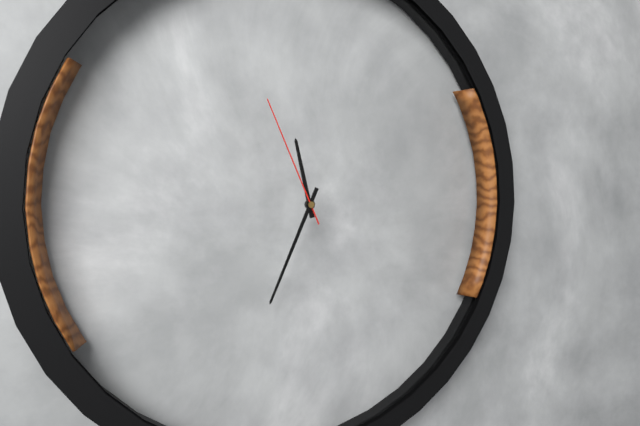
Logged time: 11:34:56
